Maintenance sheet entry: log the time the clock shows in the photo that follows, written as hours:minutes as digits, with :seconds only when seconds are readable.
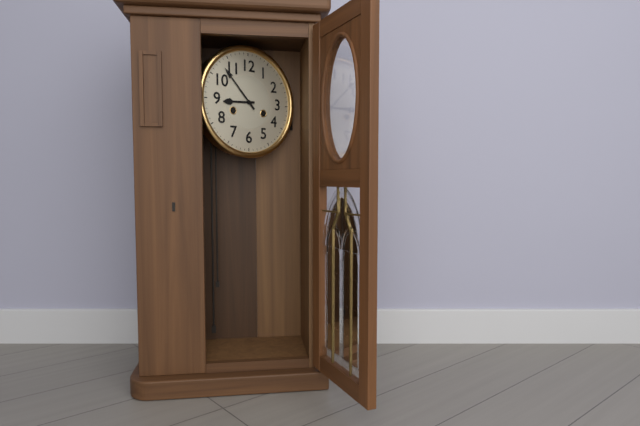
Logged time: 8:53
